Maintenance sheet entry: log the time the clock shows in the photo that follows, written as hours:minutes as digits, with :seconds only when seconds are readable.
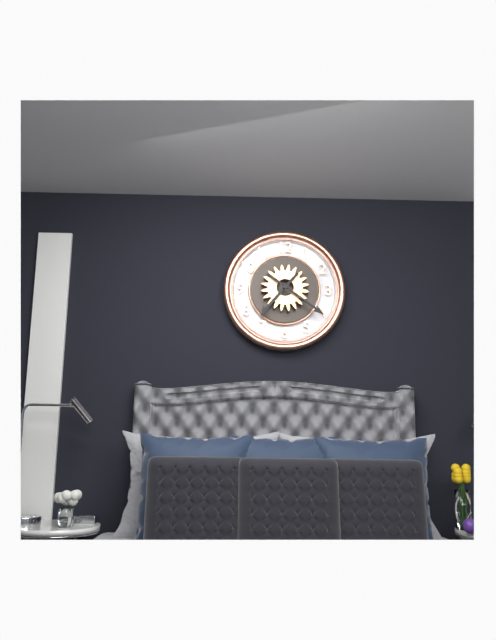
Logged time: 7:21
